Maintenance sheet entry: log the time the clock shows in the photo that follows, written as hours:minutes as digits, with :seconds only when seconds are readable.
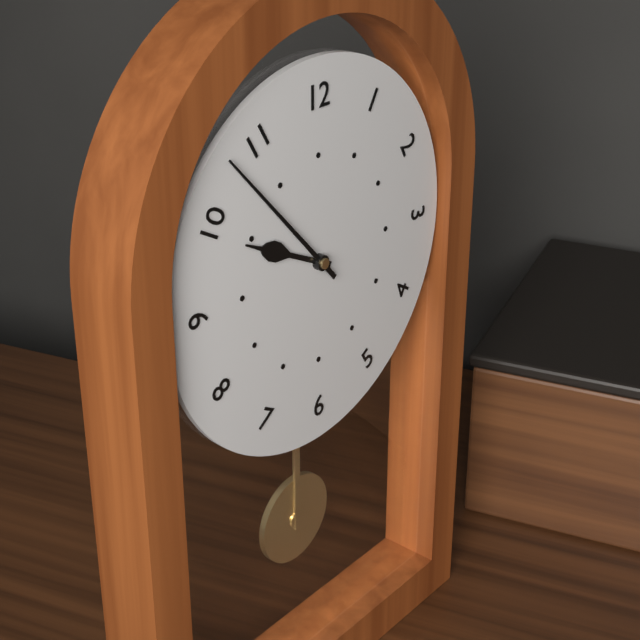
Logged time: 9:53
